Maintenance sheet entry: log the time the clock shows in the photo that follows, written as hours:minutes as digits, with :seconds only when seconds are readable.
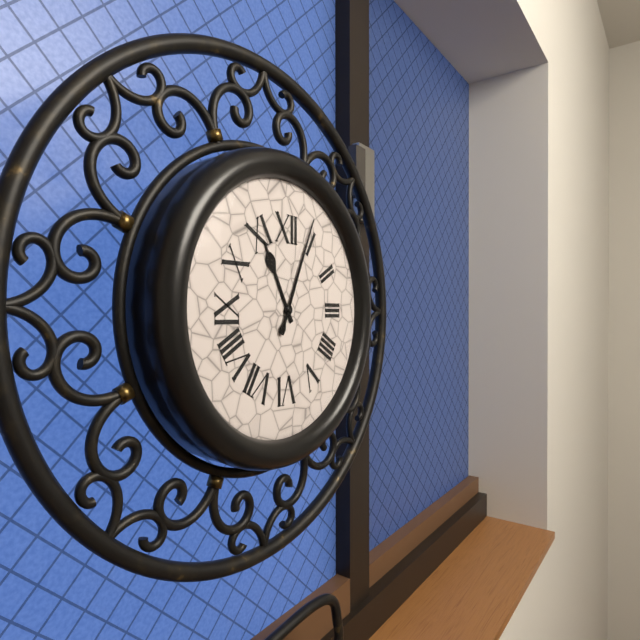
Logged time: 11:04
